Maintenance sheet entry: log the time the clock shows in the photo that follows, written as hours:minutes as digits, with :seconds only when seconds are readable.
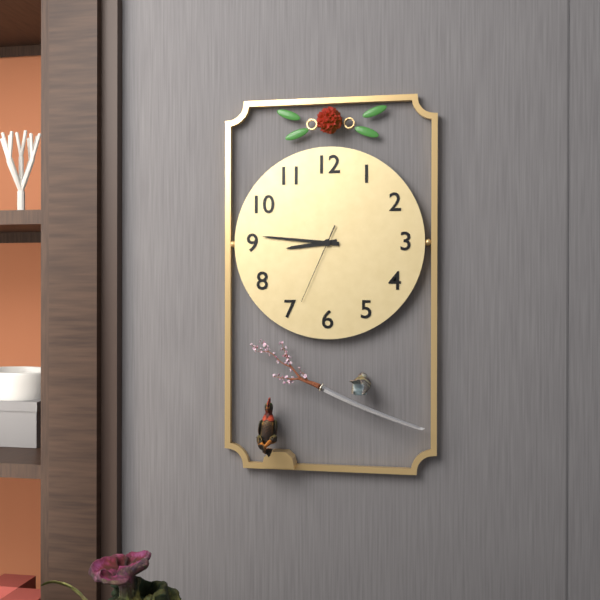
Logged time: 8:46:34
